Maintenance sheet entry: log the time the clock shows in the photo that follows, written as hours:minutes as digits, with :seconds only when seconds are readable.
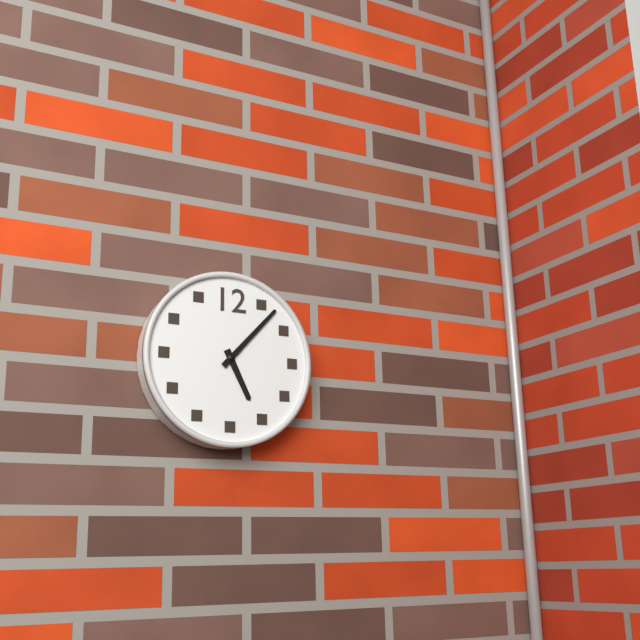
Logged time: 5:07
